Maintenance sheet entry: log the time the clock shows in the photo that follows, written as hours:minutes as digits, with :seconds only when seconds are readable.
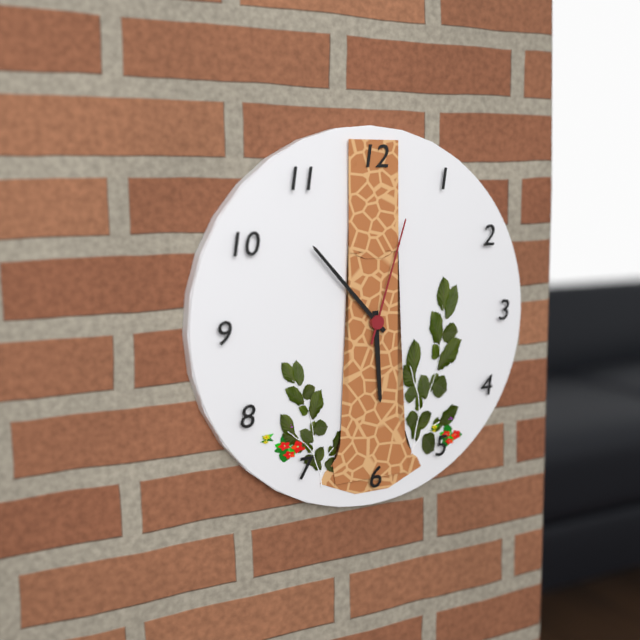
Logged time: 5:53:03
